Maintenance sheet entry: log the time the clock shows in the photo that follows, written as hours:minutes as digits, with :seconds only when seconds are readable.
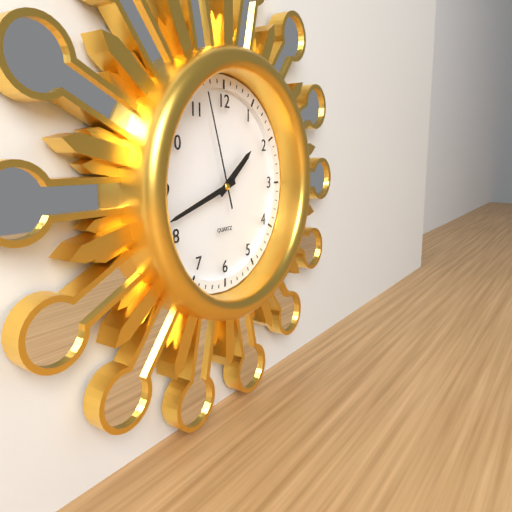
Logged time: 1:42:57
